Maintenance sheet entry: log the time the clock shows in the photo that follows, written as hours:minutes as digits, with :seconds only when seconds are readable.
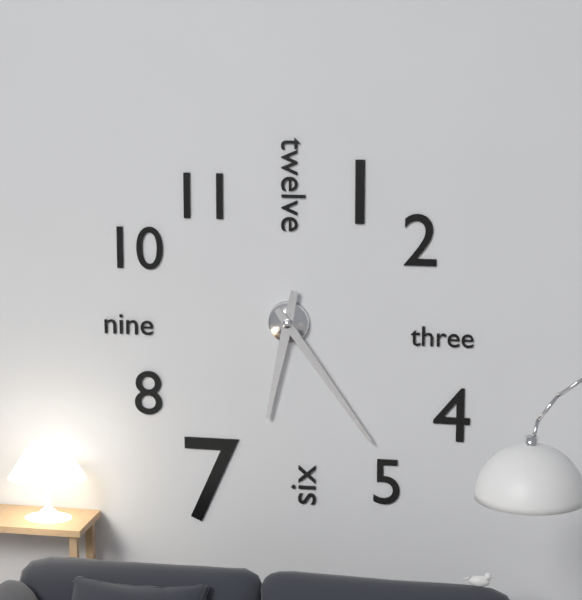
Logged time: 6:24
